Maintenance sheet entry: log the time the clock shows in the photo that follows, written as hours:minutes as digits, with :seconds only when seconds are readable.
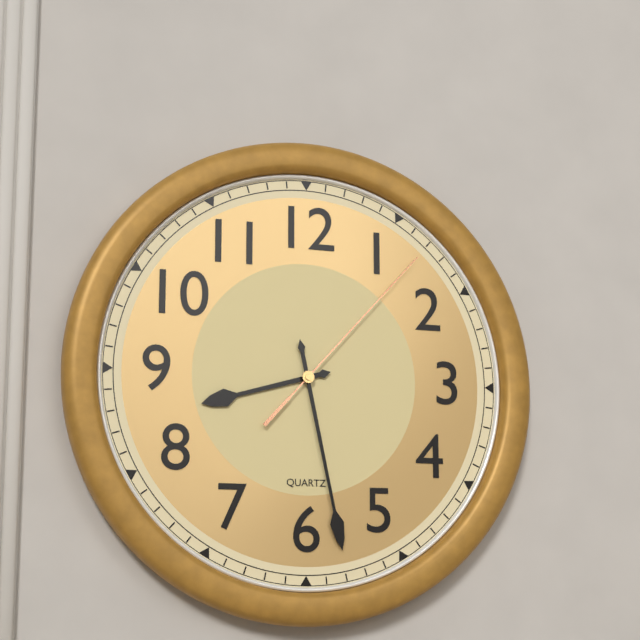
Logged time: 8:28:07
